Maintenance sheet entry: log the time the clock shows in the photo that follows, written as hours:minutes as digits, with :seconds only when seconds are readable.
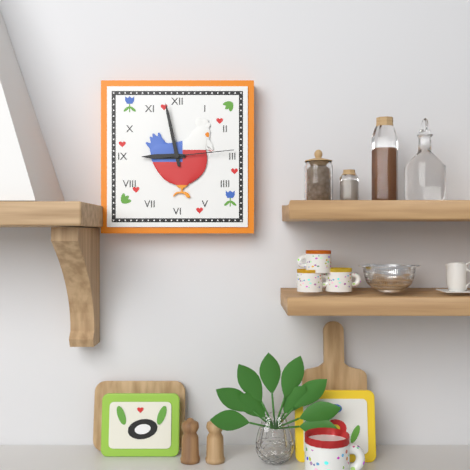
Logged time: 8:58:14
